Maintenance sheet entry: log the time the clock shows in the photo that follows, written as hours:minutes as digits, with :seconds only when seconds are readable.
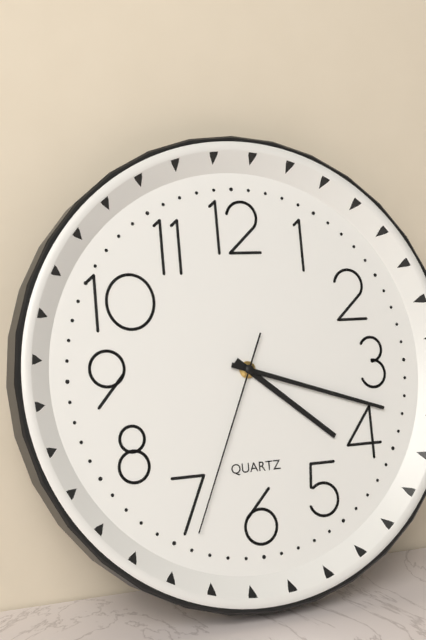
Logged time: 4:18:34
